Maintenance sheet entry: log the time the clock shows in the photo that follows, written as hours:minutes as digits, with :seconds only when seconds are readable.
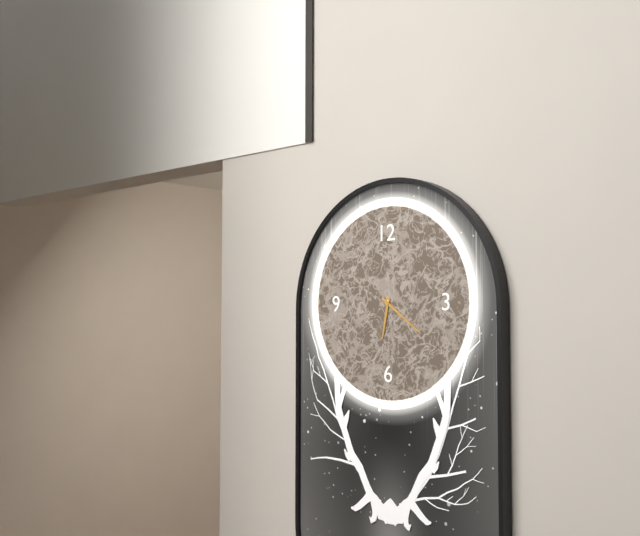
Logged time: 6:21
